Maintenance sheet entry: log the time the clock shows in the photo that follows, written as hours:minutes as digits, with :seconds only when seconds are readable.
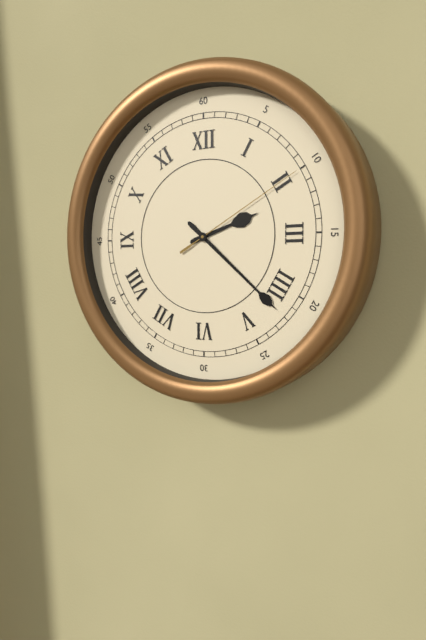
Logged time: 2:22:10
